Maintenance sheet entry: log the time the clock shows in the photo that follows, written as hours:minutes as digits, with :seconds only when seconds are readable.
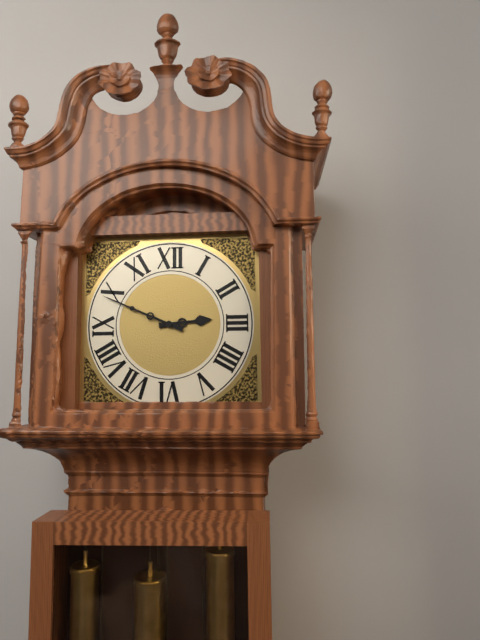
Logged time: 2:49
